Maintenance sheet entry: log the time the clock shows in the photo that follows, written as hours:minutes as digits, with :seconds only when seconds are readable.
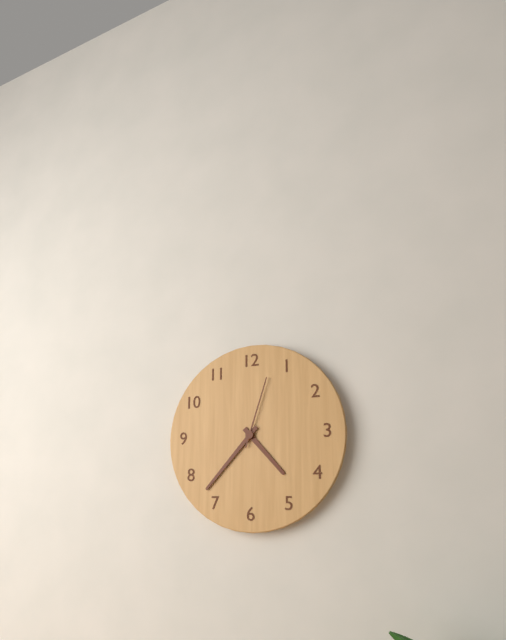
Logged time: 4:37:03
